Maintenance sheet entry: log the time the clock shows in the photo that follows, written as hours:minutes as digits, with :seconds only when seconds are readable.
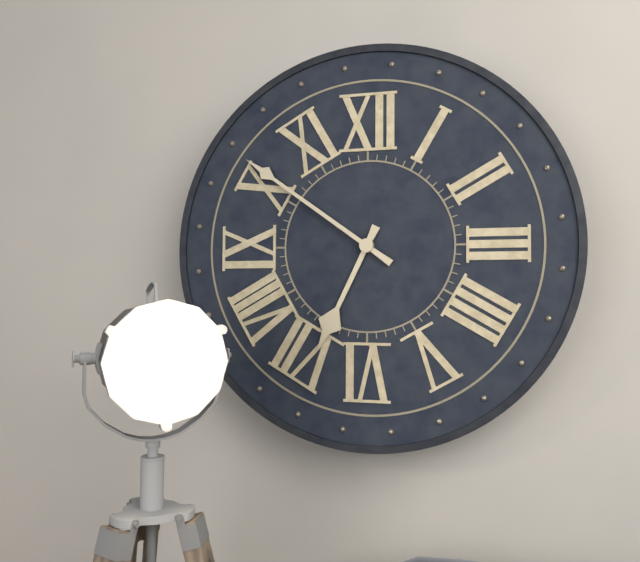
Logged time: 6:51
